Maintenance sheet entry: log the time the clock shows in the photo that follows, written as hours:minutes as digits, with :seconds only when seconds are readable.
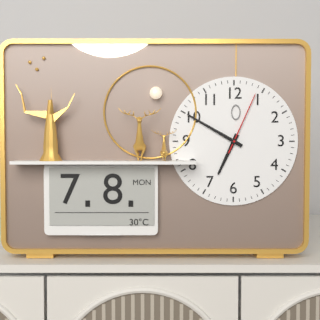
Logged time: 6:50:04
